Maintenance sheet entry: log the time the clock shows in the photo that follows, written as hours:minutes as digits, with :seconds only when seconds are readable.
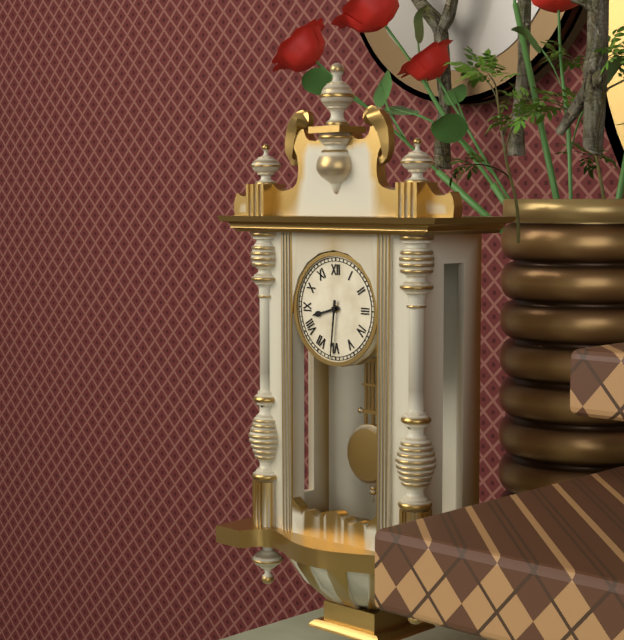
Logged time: 8:31
